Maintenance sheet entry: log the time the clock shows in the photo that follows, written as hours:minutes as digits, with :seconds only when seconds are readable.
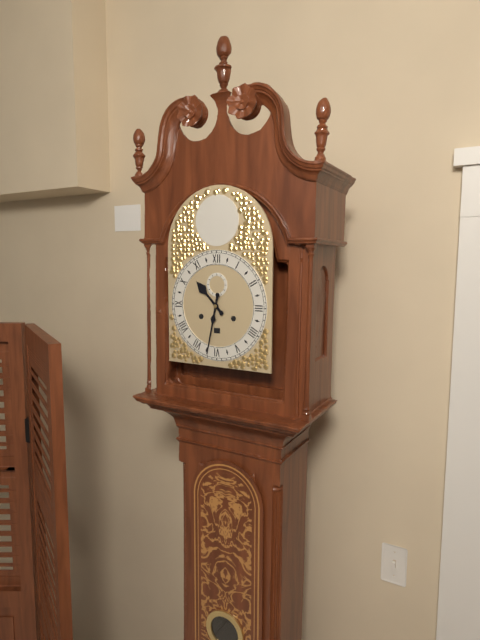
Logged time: 10:32
